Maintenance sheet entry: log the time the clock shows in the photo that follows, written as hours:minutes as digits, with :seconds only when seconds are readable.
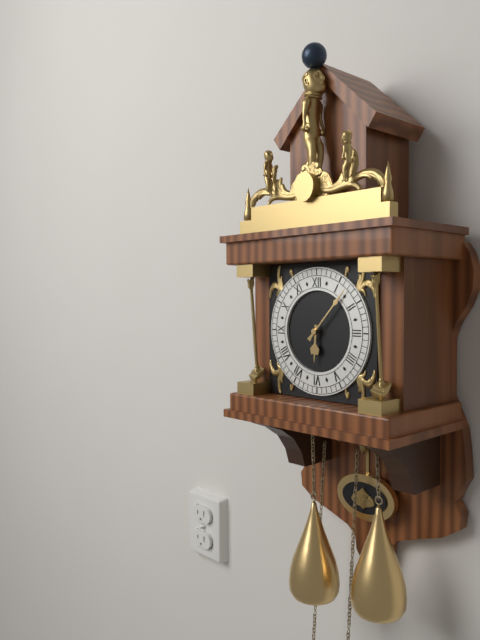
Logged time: 6:07
